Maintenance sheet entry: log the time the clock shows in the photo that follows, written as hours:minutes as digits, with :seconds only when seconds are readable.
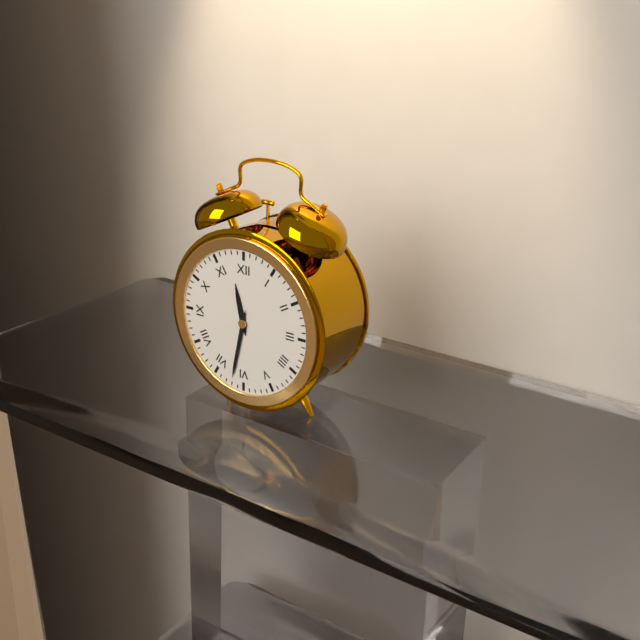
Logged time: 11:32
